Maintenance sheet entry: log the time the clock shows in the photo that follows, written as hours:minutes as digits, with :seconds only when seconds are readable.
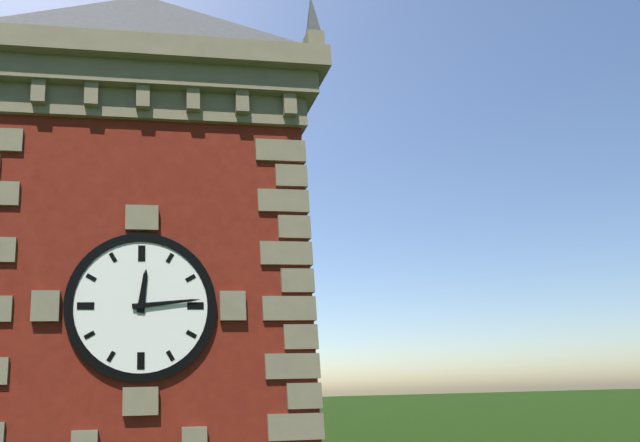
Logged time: 12:14
